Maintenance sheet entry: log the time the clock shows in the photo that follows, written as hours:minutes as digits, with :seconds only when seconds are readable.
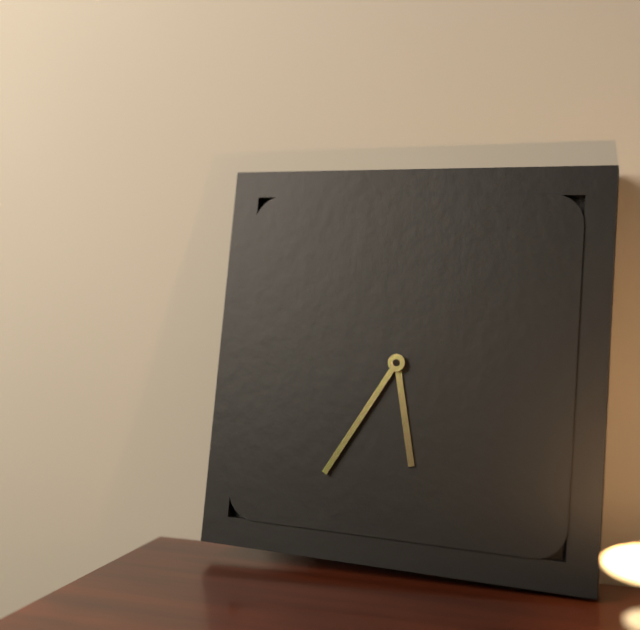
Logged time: 5:35
